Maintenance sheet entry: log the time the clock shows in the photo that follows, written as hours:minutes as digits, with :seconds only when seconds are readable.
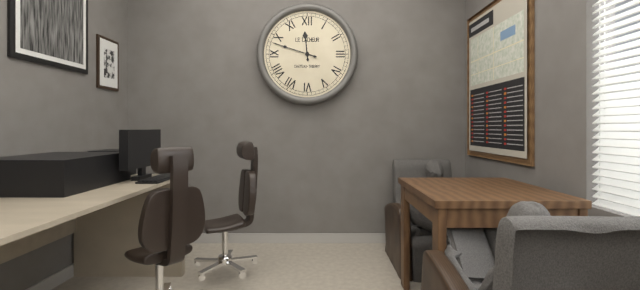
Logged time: 11:48
